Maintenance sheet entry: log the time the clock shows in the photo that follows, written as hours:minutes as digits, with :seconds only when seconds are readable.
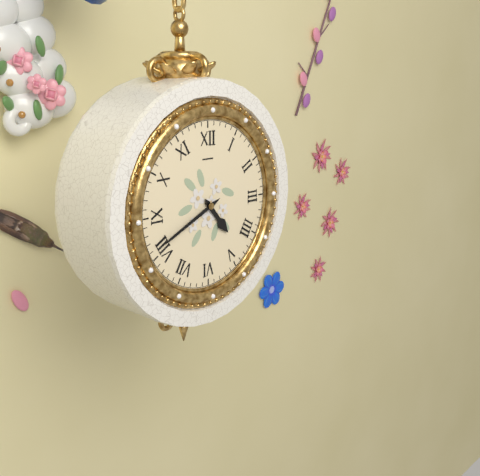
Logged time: 4:41
